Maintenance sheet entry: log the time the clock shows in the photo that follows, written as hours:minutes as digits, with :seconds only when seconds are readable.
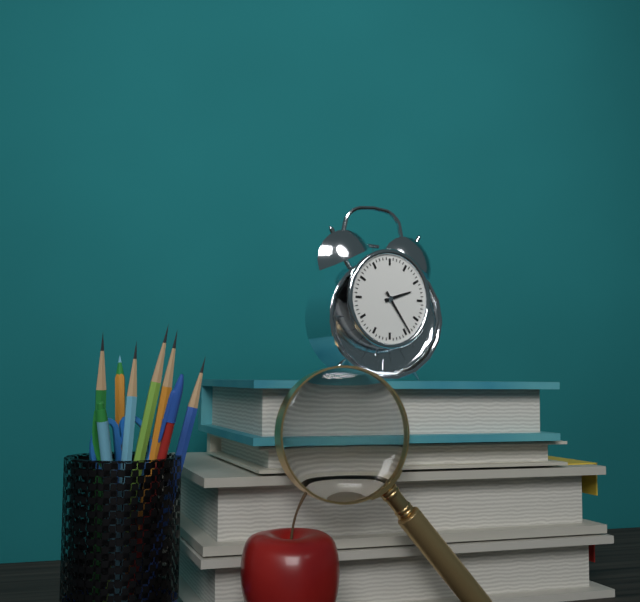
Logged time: 2:24
